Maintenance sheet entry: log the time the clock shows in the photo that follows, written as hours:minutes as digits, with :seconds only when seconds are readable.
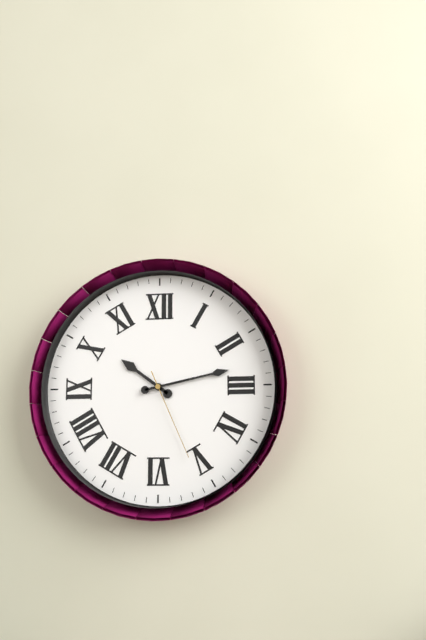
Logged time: 10:13:26
